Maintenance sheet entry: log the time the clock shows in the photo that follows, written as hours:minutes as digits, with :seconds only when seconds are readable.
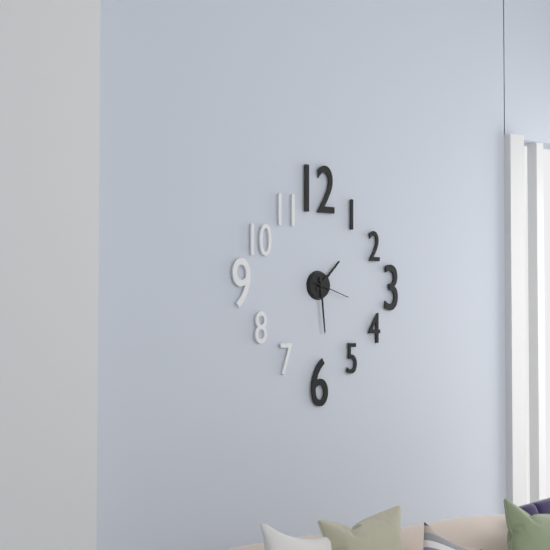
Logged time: 1:29
